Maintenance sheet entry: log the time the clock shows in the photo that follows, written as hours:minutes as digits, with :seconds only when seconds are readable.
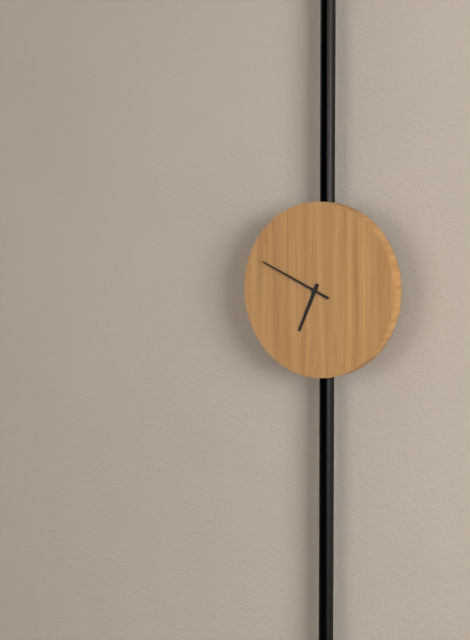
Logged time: 6:49
